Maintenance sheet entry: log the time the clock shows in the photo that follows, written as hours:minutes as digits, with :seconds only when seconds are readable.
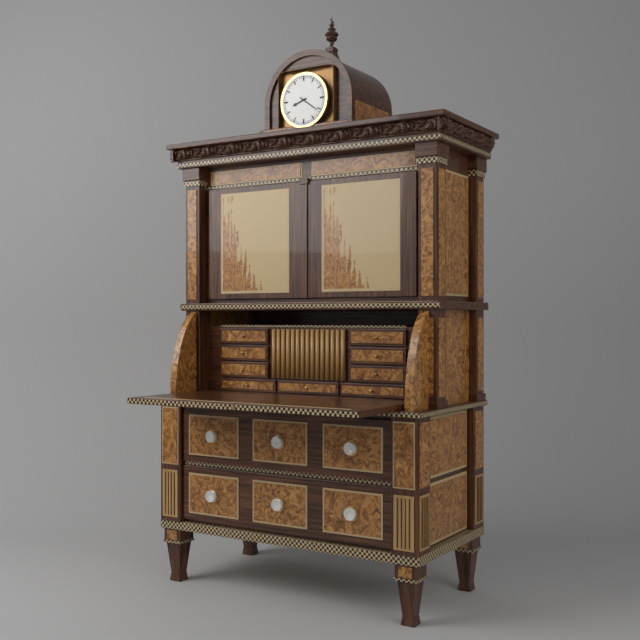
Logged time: 8:21
